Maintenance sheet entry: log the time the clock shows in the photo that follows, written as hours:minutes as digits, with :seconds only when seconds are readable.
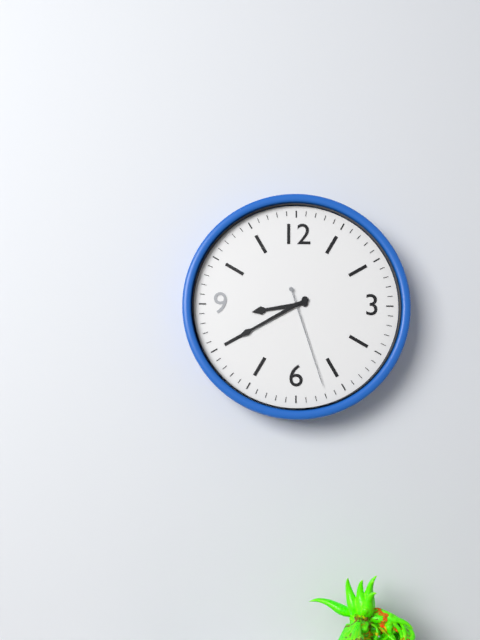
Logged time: 8:40:27
